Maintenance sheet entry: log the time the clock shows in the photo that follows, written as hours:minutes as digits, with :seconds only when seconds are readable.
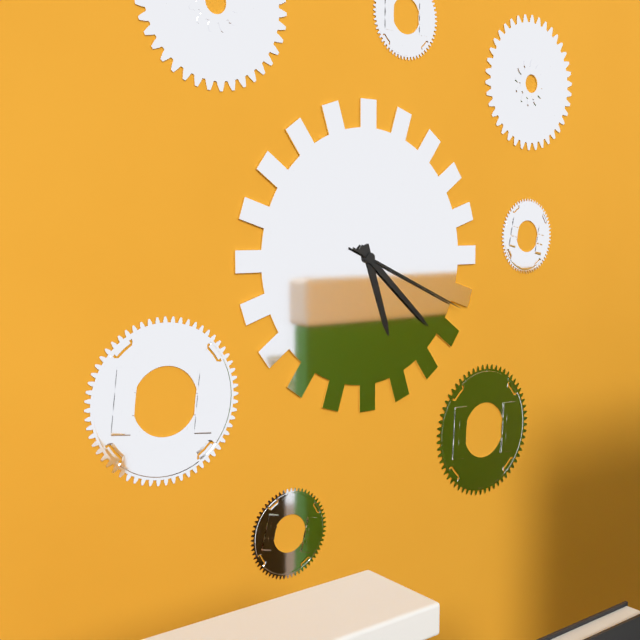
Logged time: 5:22:19
